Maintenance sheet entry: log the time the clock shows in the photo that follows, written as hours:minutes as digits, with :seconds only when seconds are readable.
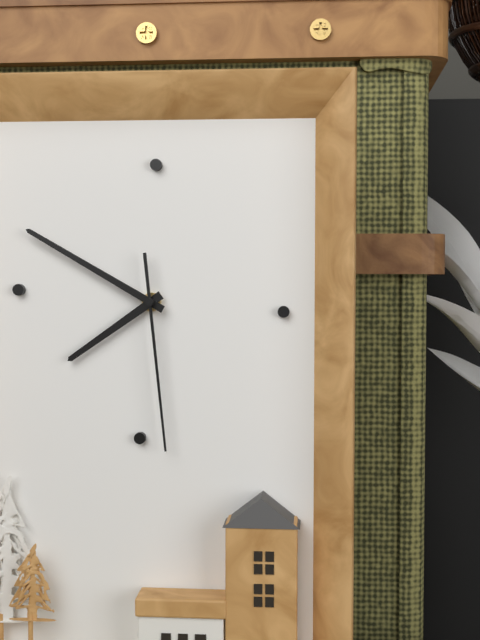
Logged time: 7:50:29
